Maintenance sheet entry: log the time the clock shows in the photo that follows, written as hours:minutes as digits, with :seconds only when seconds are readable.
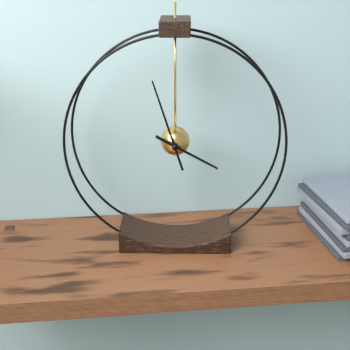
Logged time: 3:57
